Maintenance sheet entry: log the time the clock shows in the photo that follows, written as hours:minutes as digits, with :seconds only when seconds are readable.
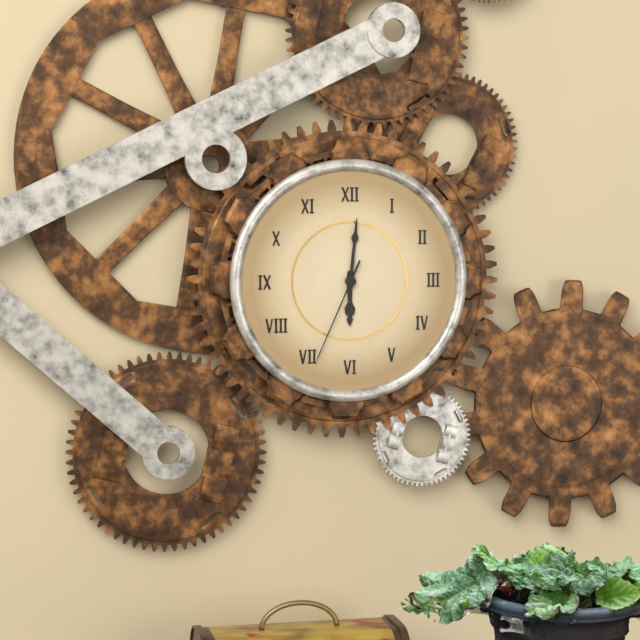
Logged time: 6:01:34
